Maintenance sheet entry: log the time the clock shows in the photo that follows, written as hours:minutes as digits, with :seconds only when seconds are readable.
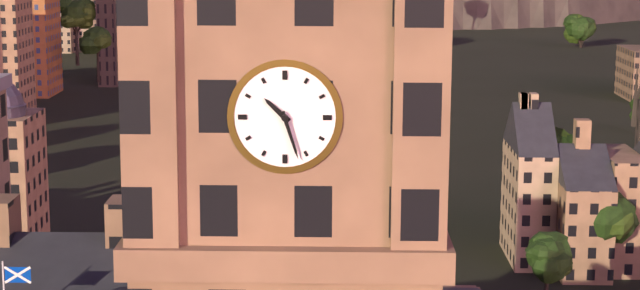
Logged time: 10:27
